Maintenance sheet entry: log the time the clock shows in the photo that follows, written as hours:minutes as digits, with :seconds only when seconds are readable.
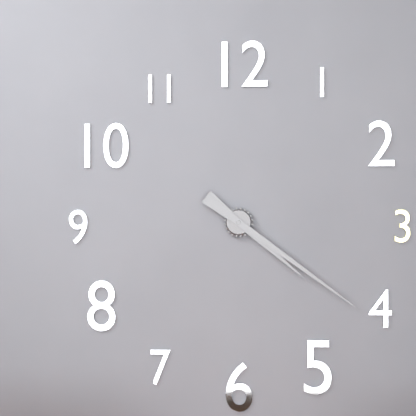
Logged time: 4:21
